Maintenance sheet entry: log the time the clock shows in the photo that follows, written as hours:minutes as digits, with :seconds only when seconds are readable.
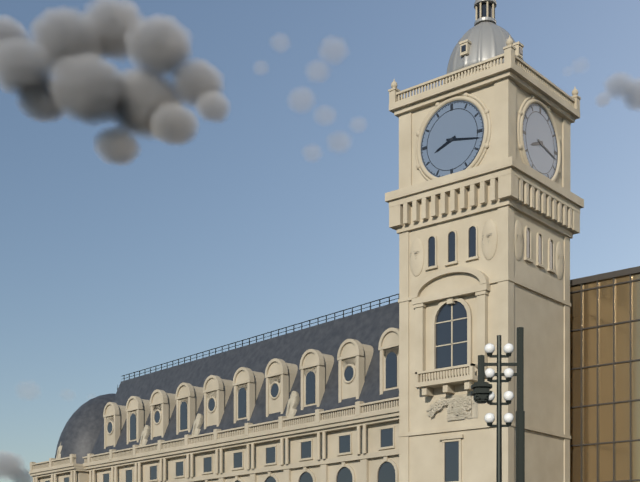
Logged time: 8:17
